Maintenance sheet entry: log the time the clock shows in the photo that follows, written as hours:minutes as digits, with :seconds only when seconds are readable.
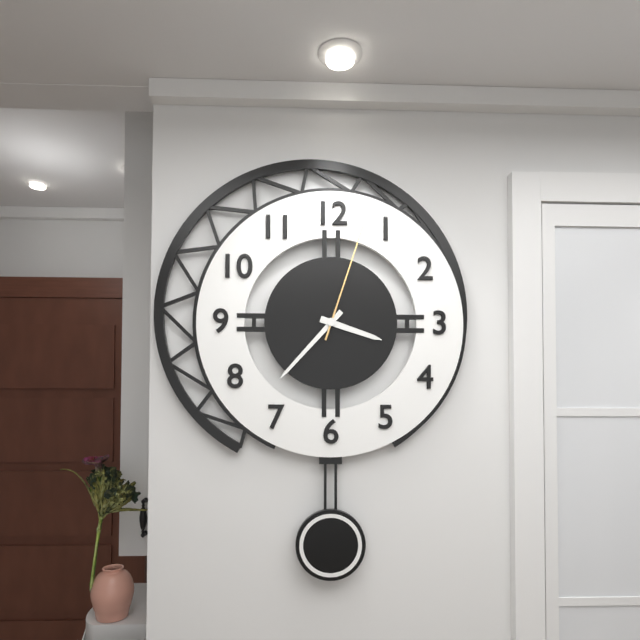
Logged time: 3:37:03
